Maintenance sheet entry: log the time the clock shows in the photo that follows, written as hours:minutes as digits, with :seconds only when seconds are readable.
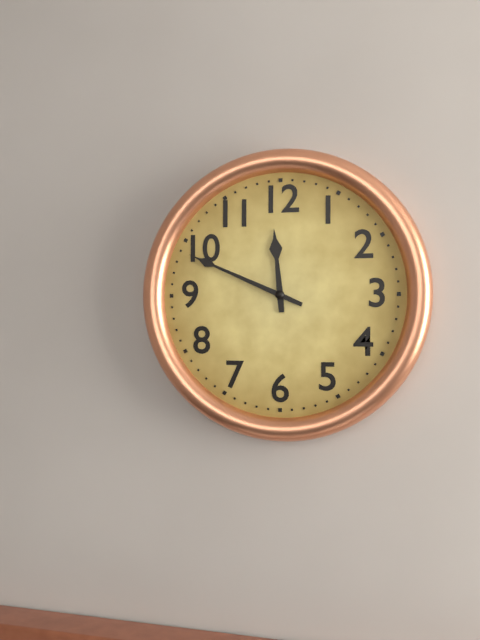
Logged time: 11:49
